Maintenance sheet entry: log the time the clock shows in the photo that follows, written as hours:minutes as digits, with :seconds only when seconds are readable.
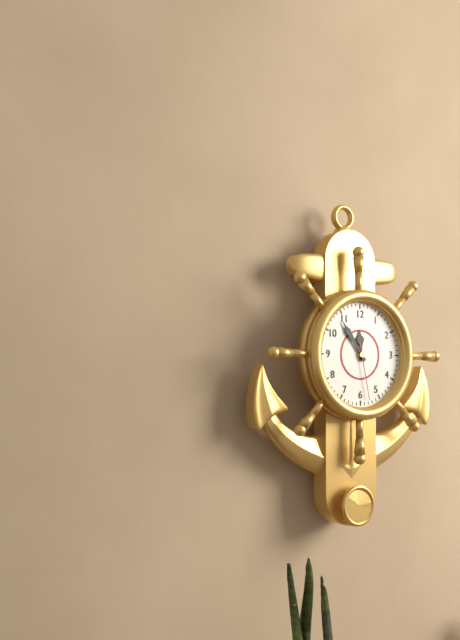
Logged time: 11:54:28
